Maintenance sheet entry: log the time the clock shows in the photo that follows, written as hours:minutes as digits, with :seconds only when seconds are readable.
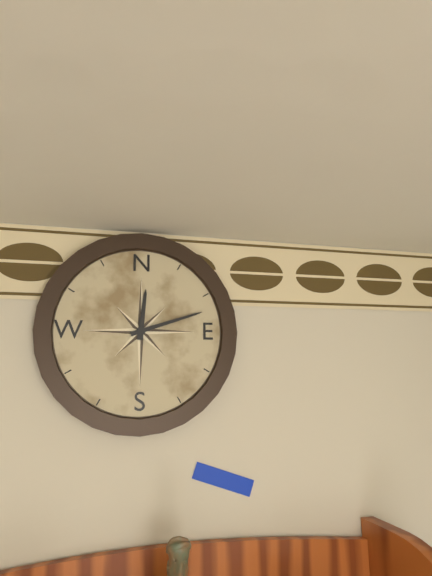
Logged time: 12:12
